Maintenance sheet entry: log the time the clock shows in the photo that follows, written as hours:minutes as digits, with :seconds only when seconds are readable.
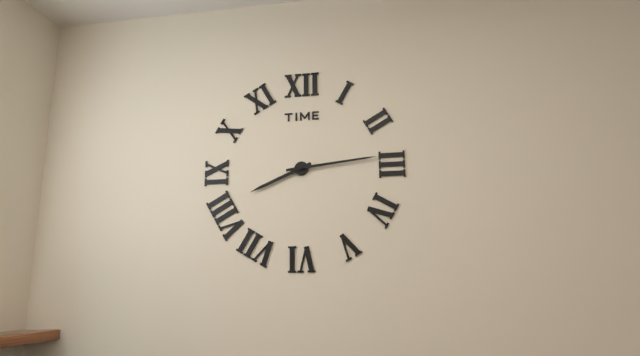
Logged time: 8:14
